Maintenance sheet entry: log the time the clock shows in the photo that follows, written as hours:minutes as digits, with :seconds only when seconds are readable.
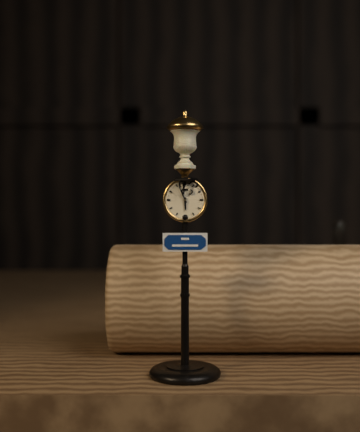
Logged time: 5:56
